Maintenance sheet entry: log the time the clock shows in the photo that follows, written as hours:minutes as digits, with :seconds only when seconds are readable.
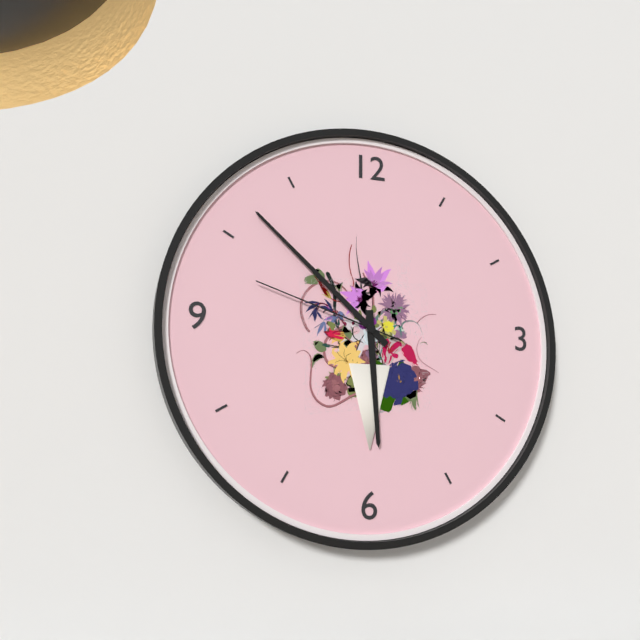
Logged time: 5:52:48
